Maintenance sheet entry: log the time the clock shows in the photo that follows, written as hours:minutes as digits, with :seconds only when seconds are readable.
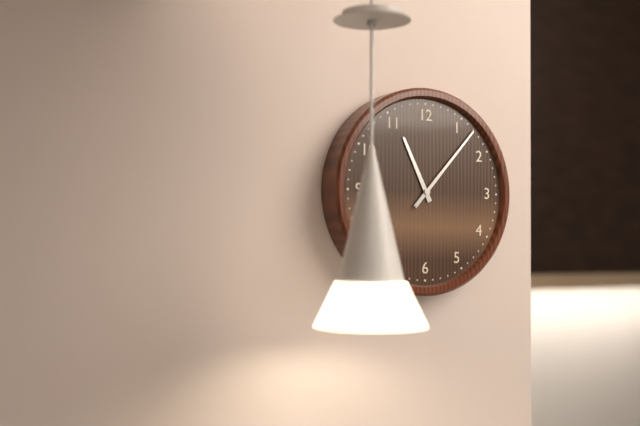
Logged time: 11:07
